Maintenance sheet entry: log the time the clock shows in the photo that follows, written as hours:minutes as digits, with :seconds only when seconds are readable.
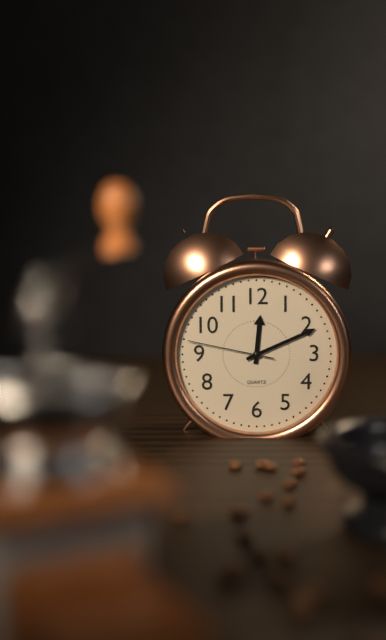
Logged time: 12:11:47
